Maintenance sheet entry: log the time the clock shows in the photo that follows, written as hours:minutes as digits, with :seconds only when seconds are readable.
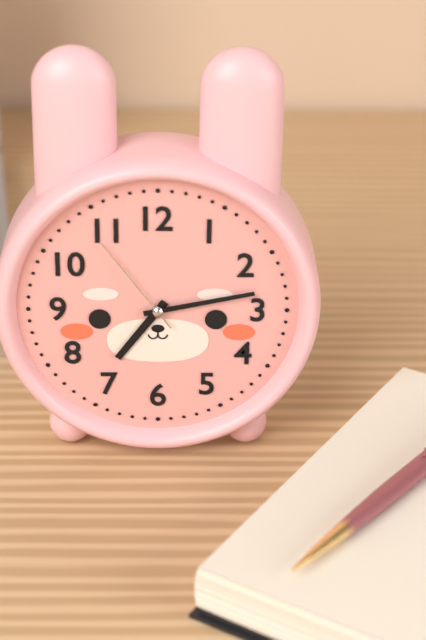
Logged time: 7:13:54
